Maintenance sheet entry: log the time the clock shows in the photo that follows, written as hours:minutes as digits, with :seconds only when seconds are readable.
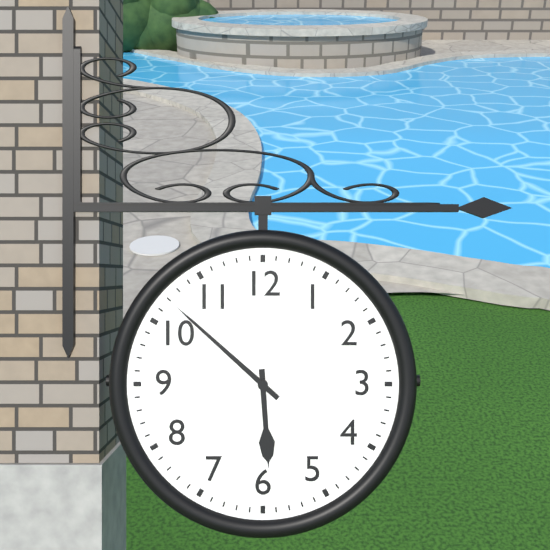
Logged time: 5:52
